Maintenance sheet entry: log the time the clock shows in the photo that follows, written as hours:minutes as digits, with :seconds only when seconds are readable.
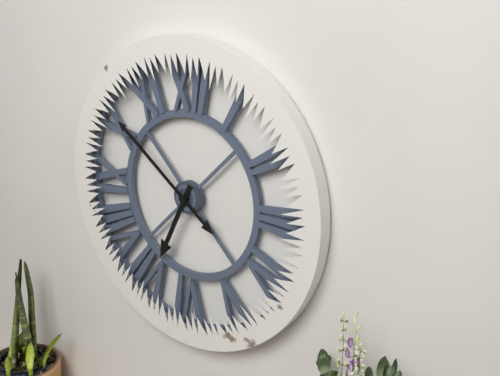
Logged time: 6:51
